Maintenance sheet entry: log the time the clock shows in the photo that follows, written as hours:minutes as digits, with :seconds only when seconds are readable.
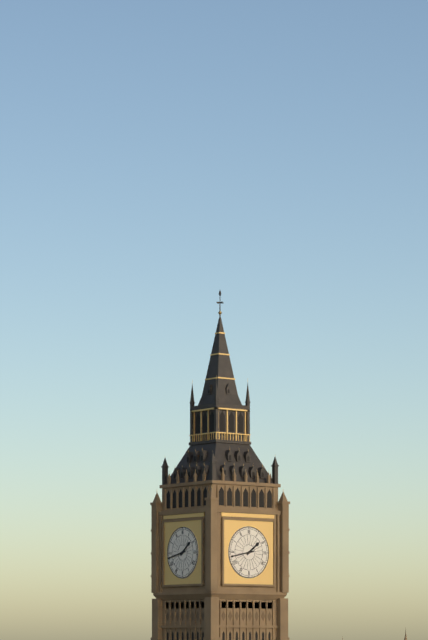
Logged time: 1:43
